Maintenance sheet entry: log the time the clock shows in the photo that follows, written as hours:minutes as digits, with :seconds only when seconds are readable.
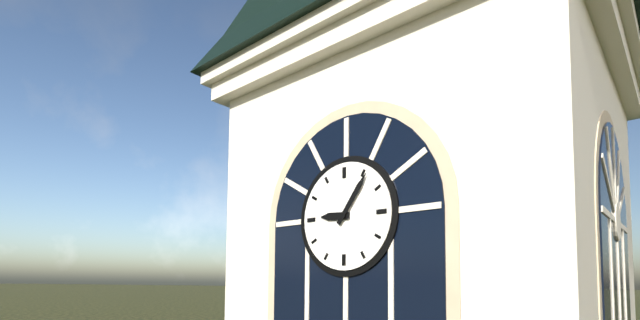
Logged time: 9:06
